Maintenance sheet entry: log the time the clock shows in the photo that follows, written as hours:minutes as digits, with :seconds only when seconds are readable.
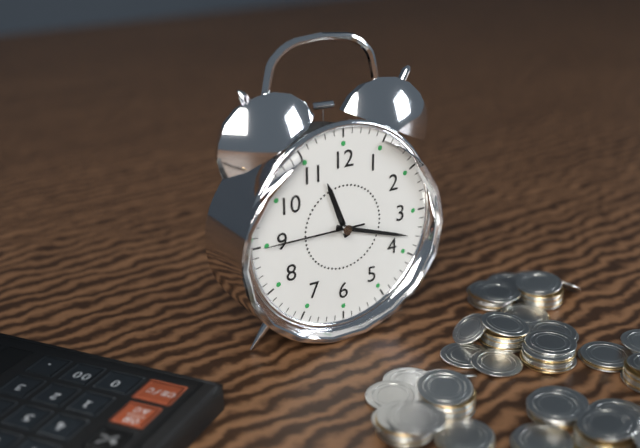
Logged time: 11:18:45
